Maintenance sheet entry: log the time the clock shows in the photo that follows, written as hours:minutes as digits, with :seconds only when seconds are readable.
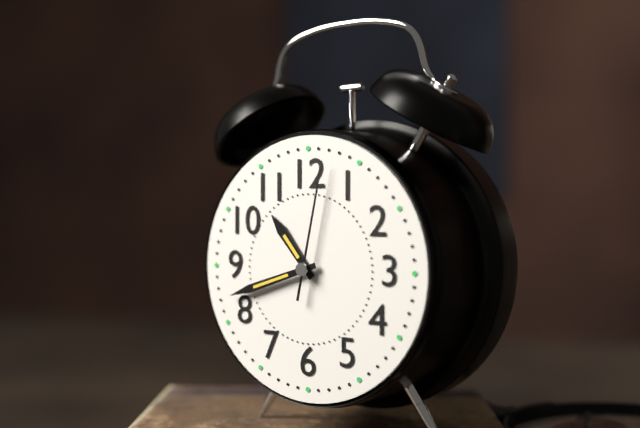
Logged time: 10:42:02
